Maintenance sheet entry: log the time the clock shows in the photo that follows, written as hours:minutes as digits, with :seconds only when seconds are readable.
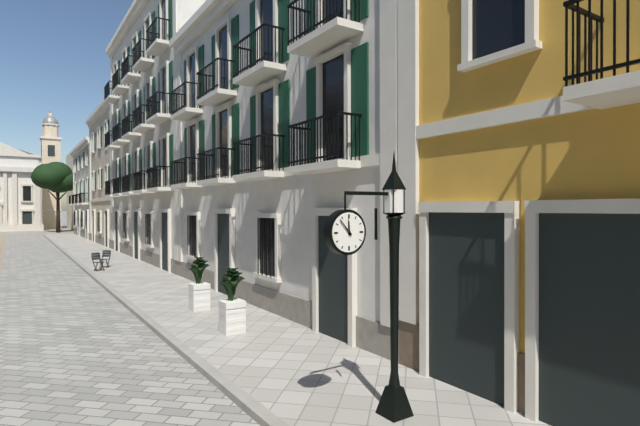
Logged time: 11:53
